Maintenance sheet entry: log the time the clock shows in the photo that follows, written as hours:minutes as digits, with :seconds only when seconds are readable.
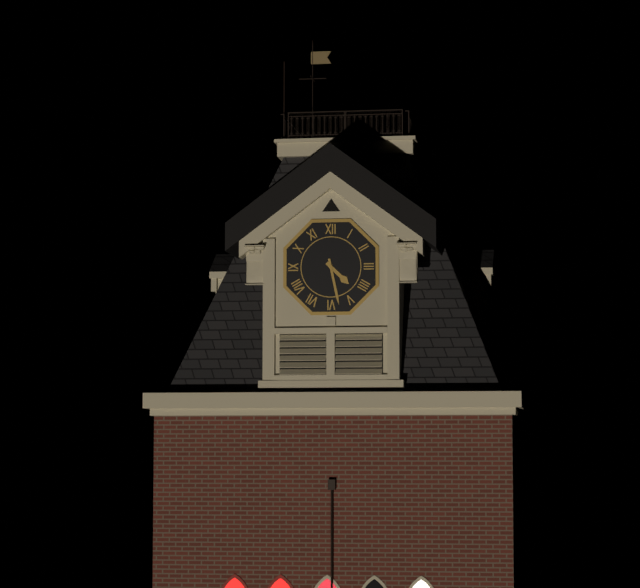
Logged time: 4:28
